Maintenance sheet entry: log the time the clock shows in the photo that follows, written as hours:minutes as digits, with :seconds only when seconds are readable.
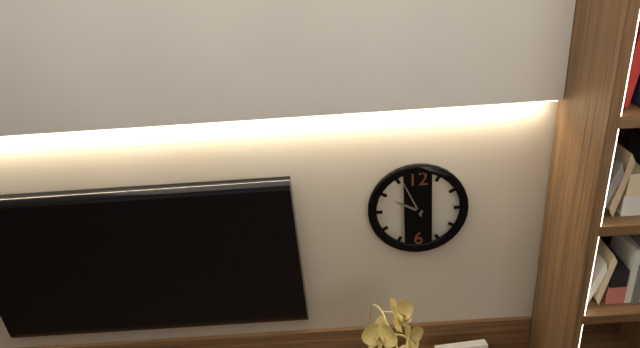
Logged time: 9:56
